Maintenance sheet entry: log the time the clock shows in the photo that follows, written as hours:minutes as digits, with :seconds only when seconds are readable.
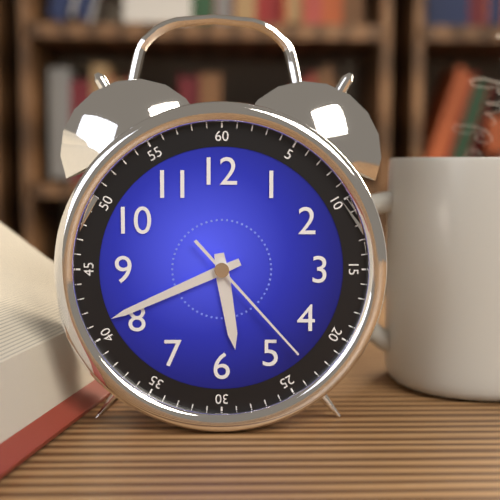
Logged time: 5:41:23
